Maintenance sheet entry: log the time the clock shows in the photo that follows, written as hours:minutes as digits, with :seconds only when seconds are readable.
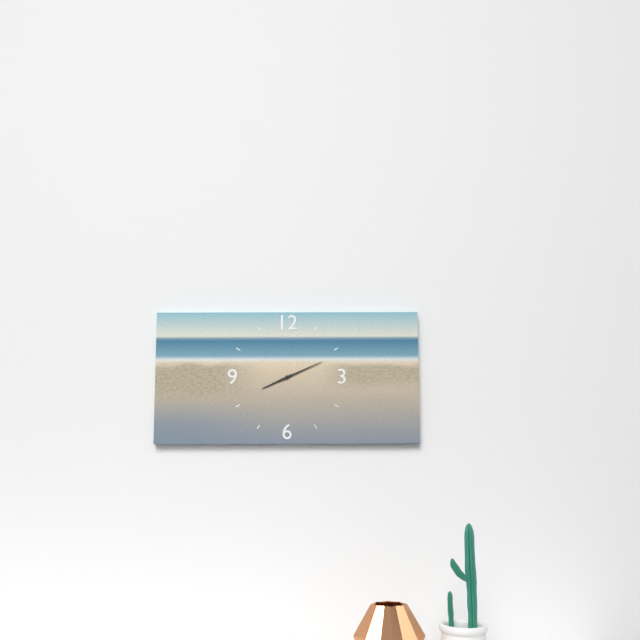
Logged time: 8:11
